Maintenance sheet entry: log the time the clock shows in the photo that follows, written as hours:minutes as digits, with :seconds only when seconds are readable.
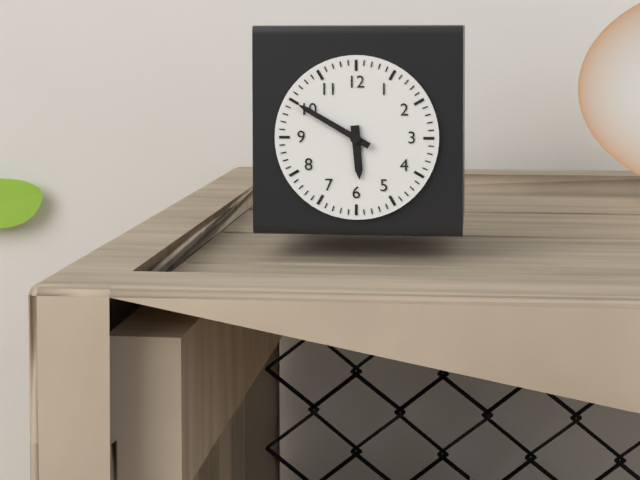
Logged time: 5:50
